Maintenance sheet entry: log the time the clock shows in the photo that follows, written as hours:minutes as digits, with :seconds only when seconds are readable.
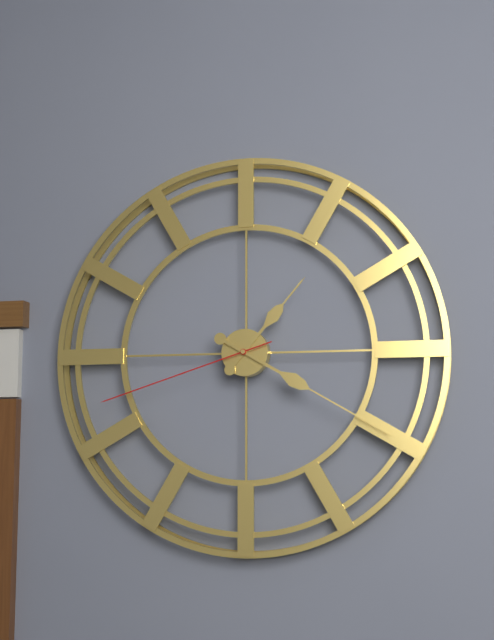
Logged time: 1:20:42
